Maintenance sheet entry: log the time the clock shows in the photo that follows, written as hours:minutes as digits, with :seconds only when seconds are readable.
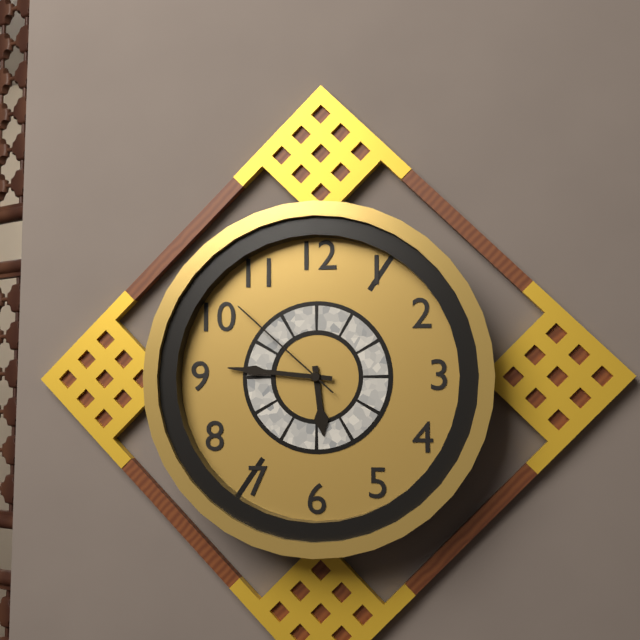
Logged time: 5:46:52
